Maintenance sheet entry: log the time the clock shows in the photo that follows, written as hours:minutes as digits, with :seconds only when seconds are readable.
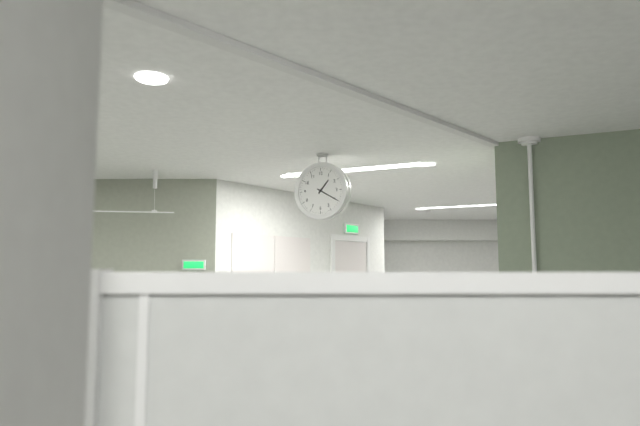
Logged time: 1:20
